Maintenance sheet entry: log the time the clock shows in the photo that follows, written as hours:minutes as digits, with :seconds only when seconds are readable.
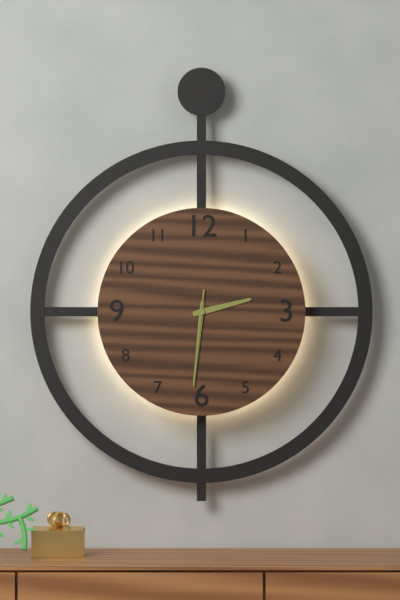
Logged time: 2:31:31
